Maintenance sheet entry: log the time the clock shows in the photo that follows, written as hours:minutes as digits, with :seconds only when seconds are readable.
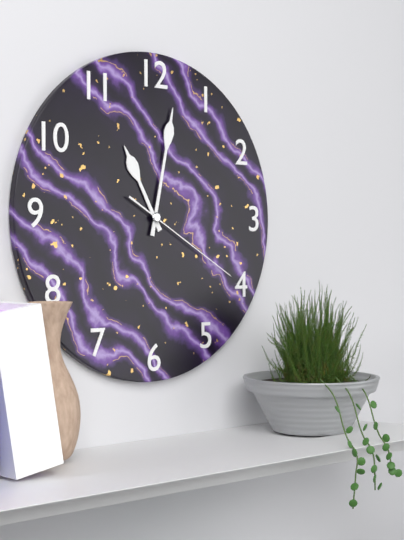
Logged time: 11:02:20
